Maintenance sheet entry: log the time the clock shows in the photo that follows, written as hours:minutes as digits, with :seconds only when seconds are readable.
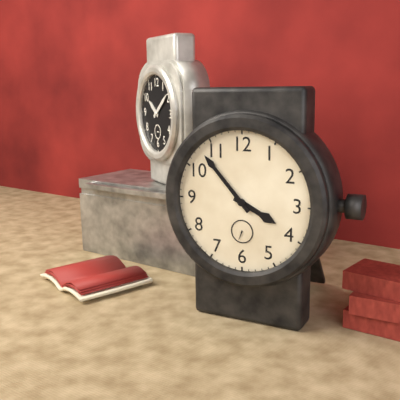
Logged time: 3:53
